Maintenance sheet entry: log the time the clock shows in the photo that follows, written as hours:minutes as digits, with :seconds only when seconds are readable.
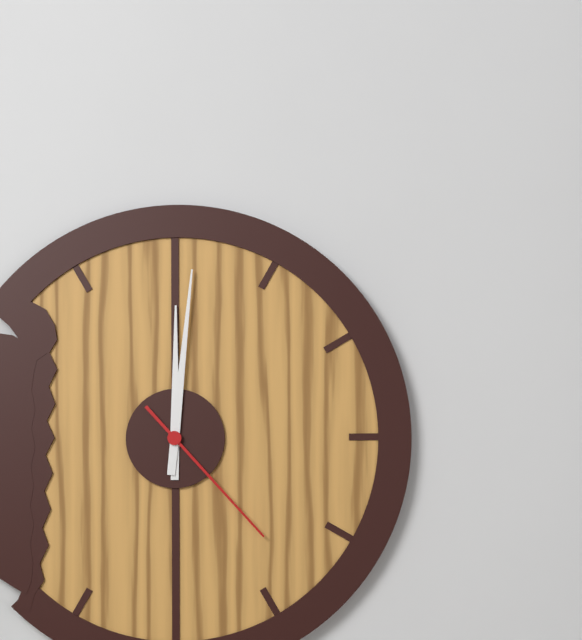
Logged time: 12:01:23
